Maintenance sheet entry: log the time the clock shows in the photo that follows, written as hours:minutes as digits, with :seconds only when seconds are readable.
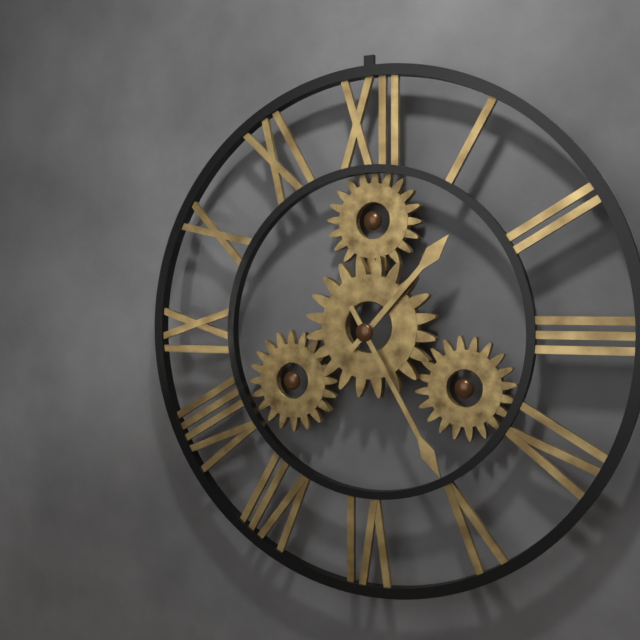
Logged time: 1:25
